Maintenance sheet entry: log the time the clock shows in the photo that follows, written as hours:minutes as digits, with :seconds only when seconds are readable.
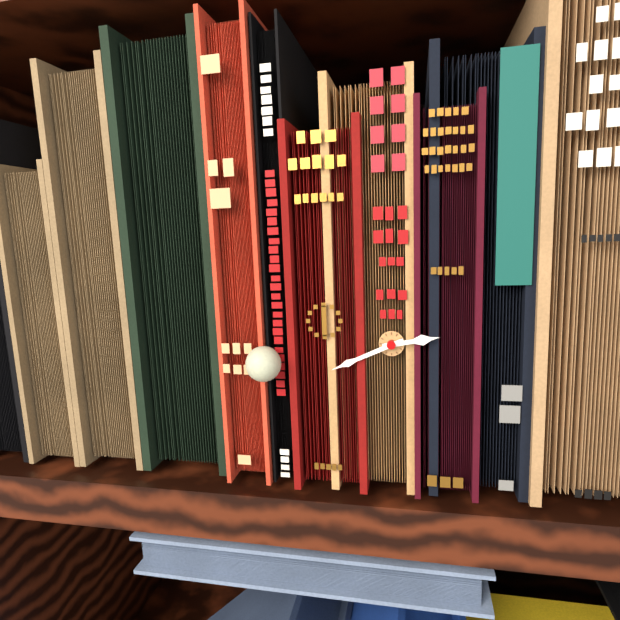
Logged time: 2:41
